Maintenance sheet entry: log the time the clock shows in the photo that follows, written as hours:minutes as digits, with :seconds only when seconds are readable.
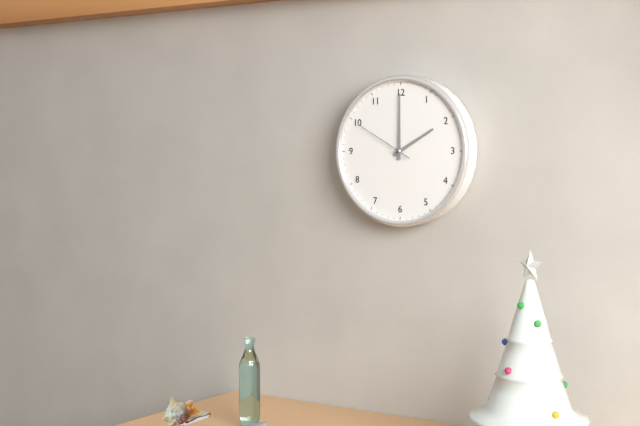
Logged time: 2:00:50
